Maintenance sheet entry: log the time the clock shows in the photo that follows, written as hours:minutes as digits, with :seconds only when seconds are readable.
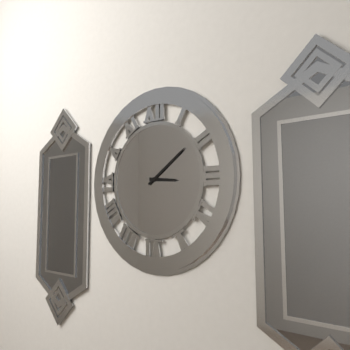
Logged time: 3:09
